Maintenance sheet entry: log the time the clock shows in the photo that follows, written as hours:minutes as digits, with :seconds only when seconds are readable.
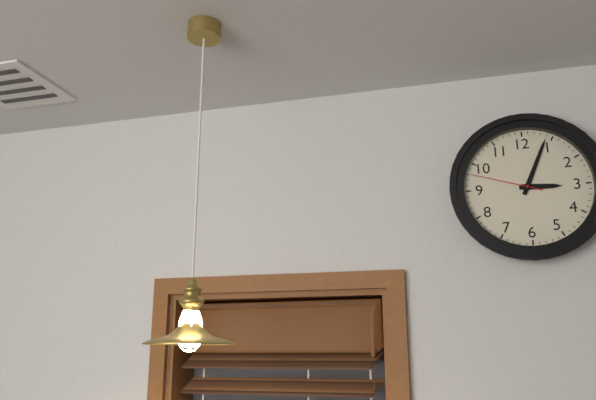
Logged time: 3:04:48
